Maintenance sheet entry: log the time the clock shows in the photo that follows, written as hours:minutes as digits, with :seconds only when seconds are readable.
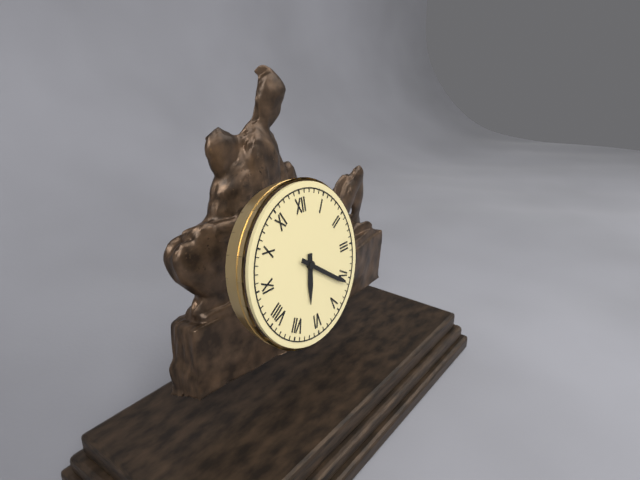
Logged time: 6:21
